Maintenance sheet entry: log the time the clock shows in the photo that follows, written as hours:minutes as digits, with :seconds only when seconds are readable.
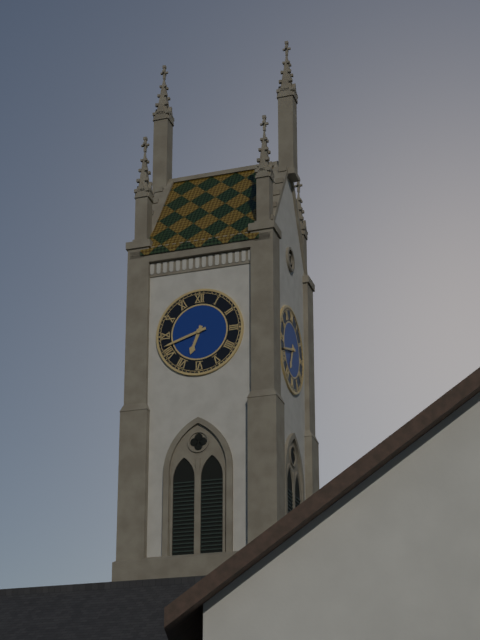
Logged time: 6:42
